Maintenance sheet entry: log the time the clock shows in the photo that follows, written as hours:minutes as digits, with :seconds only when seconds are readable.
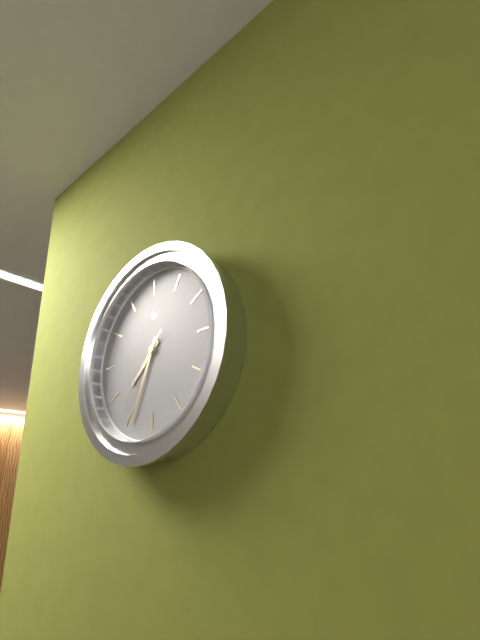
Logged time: 7:34:37
